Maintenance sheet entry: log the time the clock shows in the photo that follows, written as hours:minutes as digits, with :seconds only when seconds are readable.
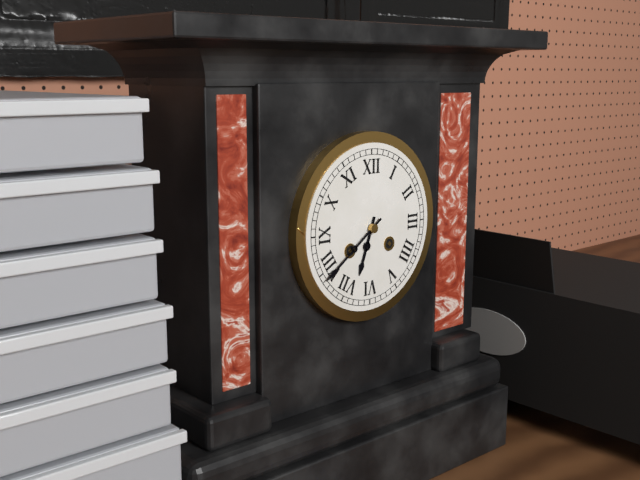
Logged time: 6:39
